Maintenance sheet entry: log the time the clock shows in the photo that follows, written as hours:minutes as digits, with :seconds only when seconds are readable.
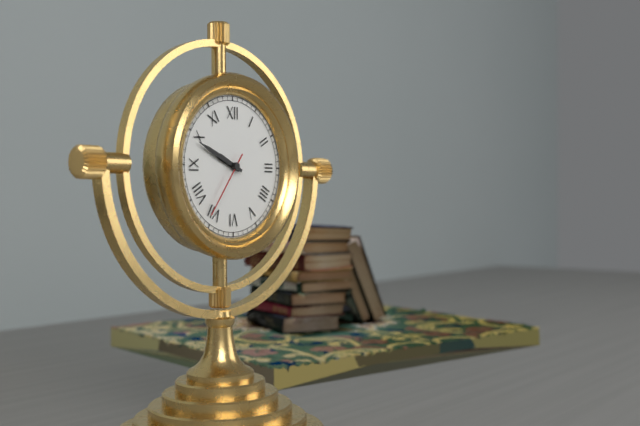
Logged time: 9:49:36
